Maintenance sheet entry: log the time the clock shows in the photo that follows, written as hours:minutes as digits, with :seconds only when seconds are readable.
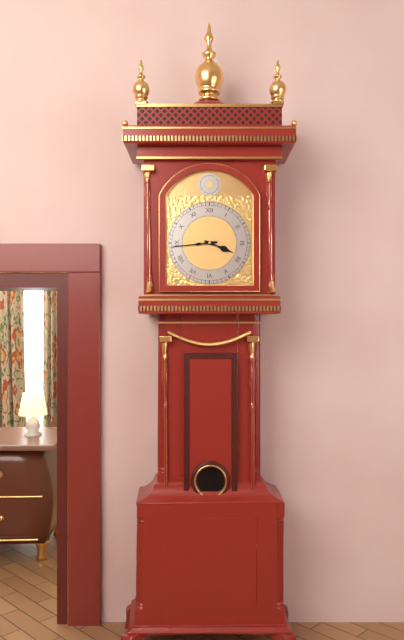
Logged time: 3:44
